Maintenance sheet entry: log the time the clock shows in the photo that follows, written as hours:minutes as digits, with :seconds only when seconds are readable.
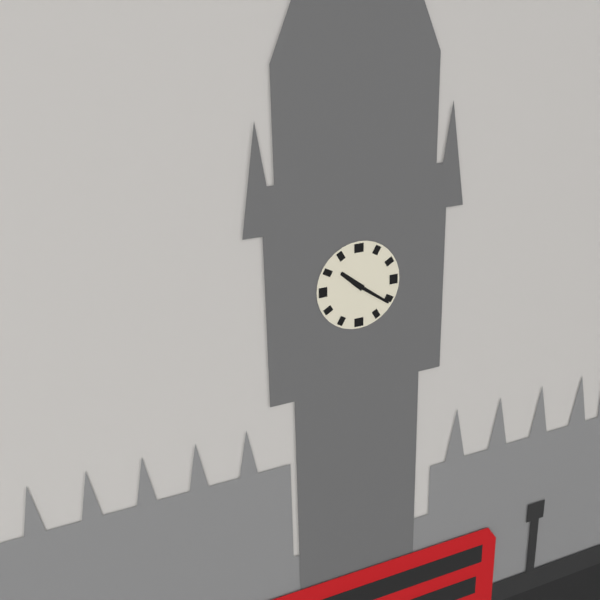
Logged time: 10:21
